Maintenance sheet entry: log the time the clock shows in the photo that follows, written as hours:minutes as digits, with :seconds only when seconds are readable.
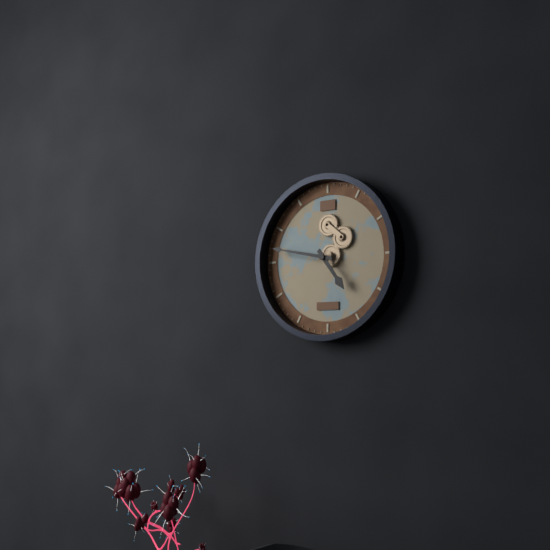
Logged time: 4:47
